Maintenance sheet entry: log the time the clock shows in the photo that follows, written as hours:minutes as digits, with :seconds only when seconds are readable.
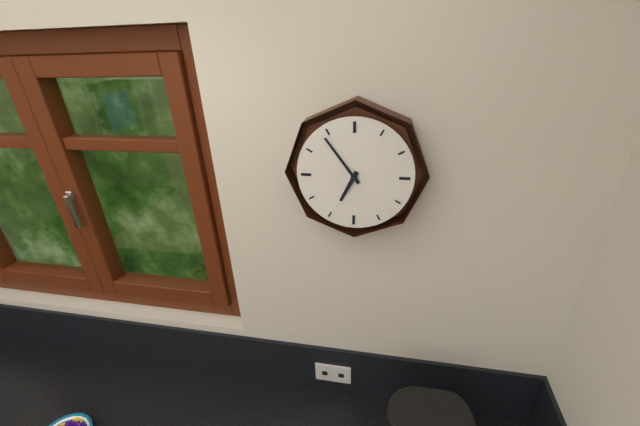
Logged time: 6:54
